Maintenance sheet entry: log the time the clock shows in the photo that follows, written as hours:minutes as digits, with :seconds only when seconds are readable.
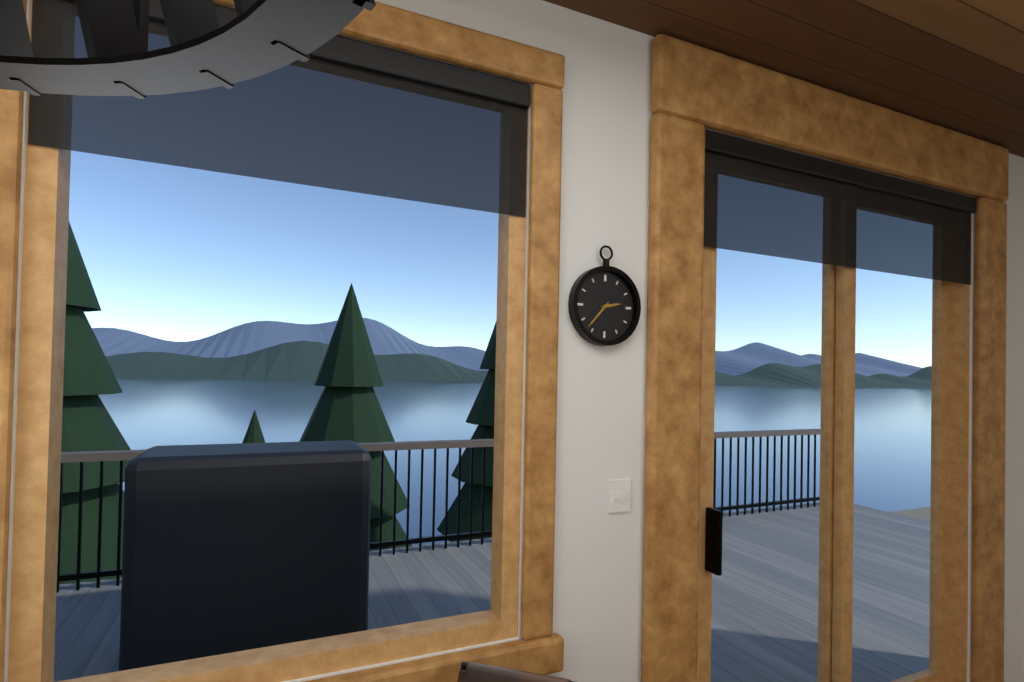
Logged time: 2:37
